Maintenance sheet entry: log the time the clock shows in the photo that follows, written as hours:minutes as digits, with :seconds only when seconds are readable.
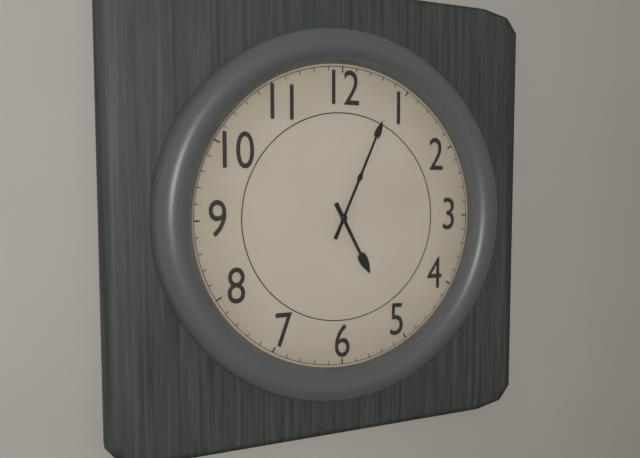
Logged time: 5:04
